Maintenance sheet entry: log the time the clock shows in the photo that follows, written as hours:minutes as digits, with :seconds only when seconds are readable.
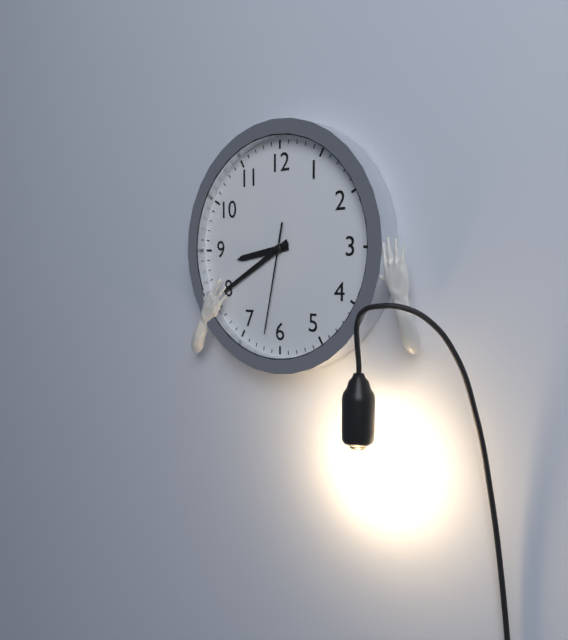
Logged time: 8:40:32
